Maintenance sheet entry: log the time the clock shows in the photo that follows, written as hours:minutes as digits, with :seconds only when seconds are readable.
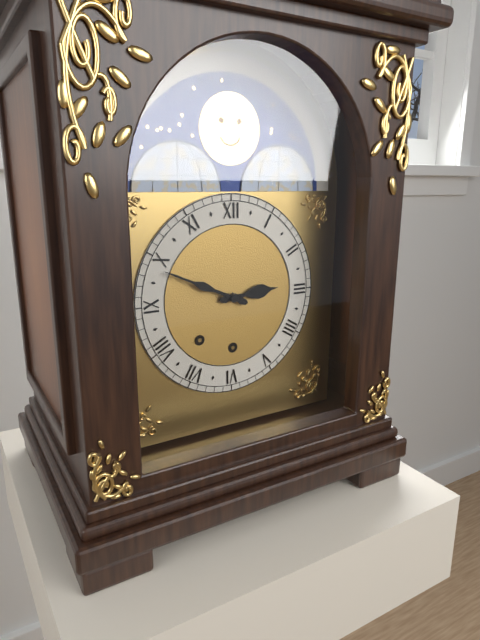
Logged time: 2:49
